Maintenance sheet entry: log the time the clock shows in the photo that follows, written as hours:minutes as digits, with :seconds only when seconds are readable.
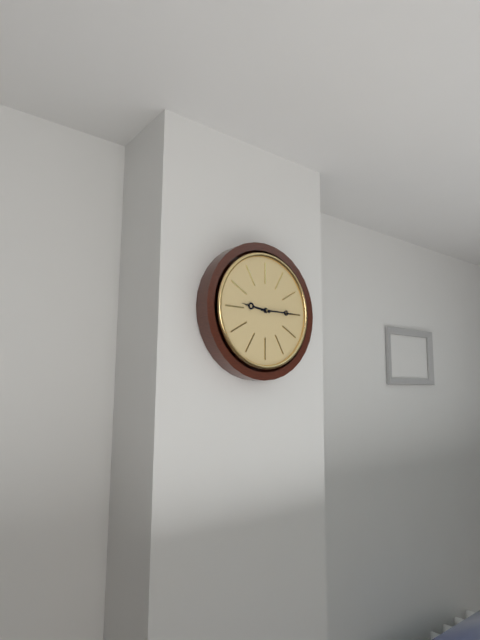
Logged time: 9:15
